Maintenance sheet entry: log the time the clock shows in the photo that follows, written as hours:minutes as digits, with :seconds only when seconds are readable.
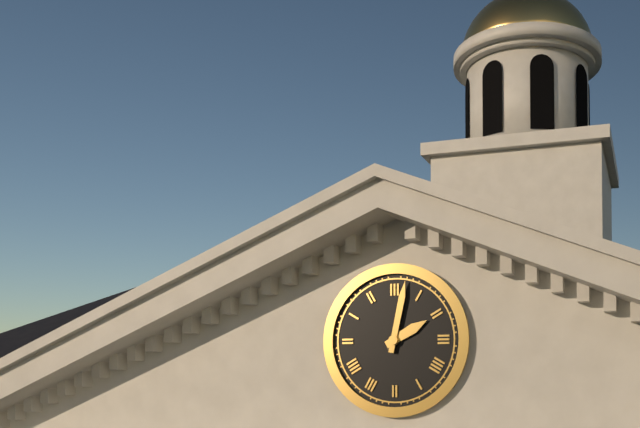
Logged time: 2:02
